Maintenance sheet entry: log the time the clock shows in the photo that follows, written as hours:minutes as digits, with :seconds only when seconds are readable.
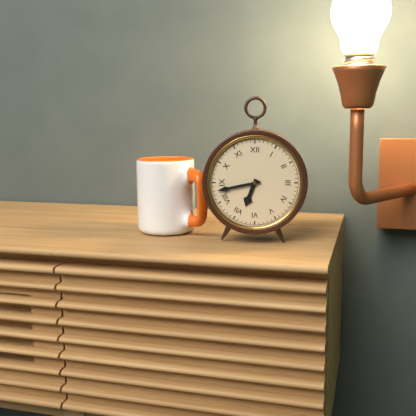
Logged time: 6:43
